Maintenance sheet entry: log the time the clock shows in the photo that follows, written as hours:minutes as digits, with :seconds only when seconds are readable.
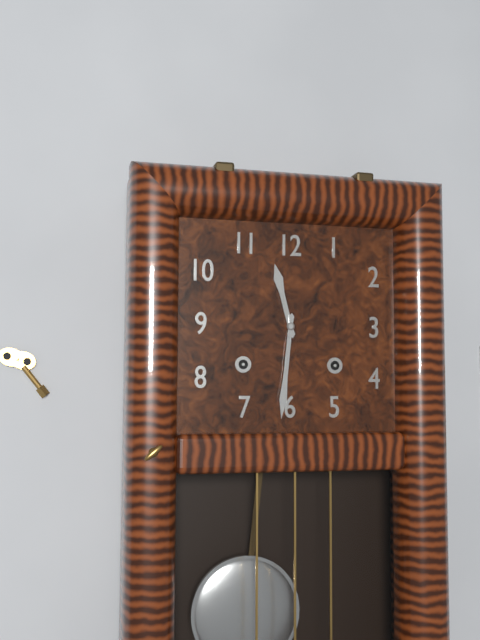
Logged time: 11:31
